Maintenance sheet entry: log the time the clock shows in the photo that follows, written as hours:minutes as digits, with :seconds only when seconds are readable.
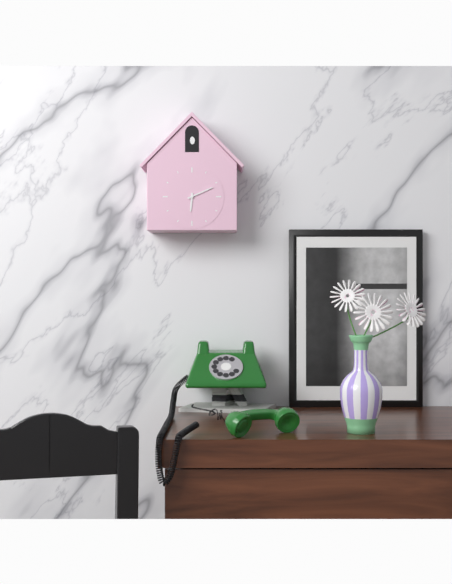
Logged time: 6:11
